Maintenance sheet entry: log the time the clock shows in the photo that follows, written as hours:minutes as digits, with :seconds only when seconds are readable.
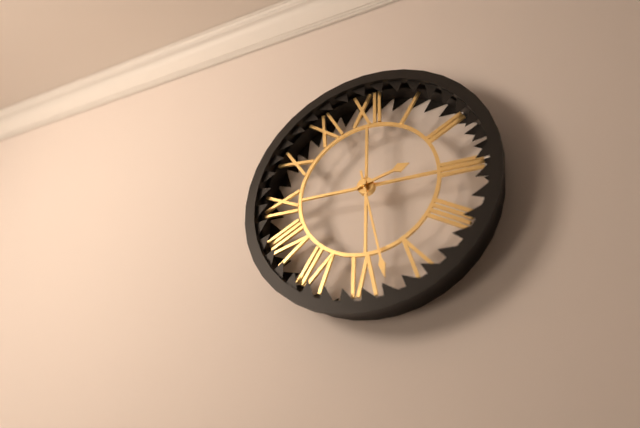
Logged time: 2:28
